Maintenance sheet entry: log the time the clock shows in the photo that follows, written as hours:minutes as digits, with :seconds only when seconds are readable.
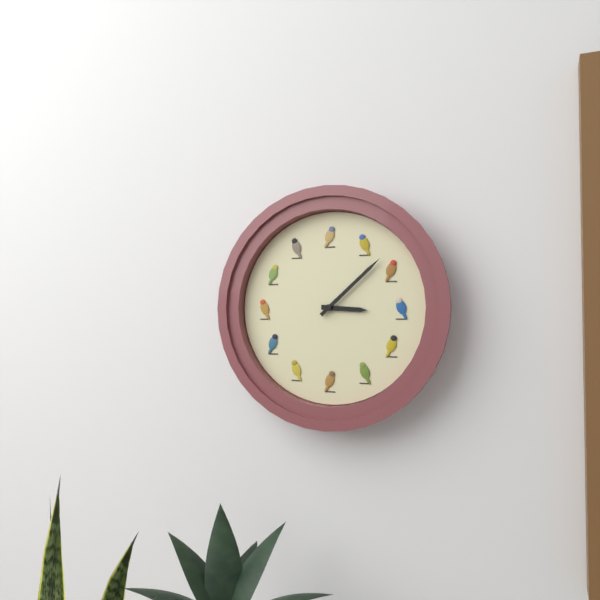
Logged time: 3:08
